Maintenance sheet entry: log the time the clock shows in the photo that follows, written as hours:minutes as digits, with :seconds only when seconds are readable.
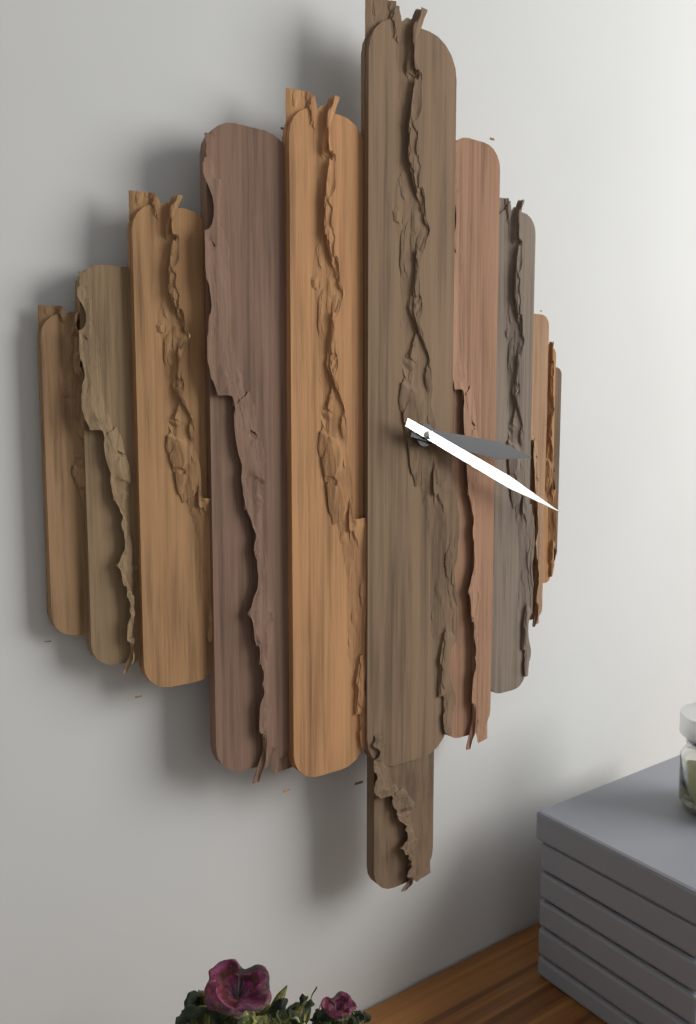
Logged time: 3:19
